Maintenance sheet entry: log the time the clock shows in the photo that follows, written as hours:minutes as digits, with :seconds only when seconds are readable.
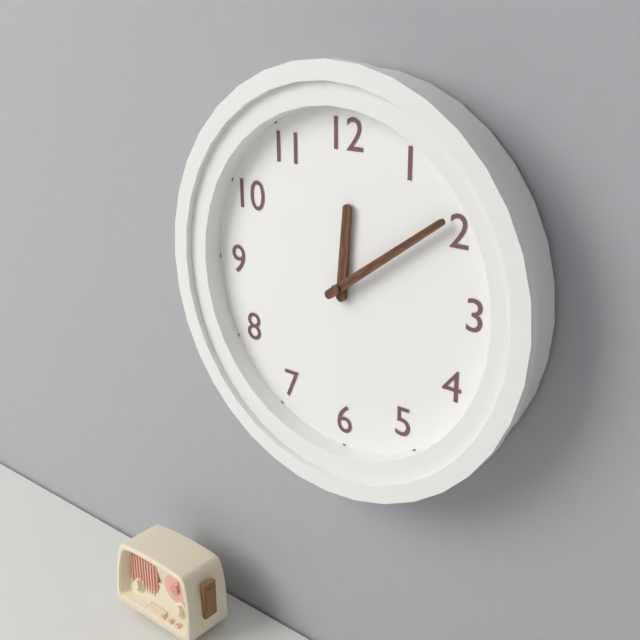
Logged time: 12:09
